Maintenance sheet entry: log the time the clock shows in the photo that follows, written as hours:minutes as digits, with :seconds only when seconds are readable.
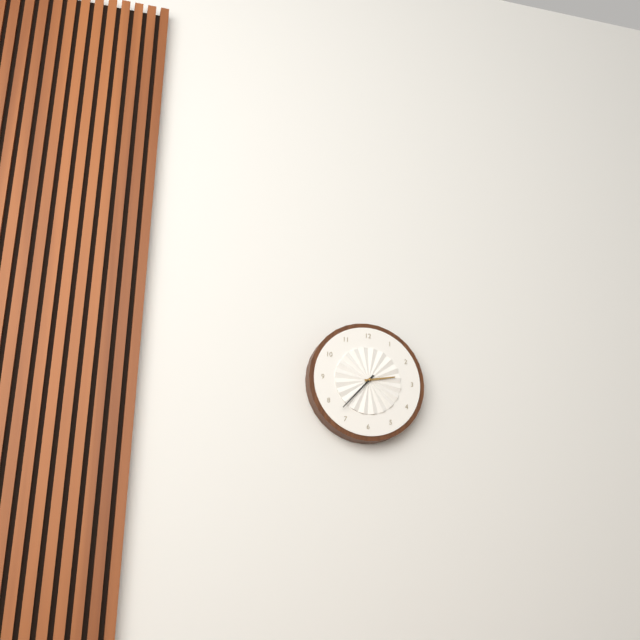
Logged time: 2:37
